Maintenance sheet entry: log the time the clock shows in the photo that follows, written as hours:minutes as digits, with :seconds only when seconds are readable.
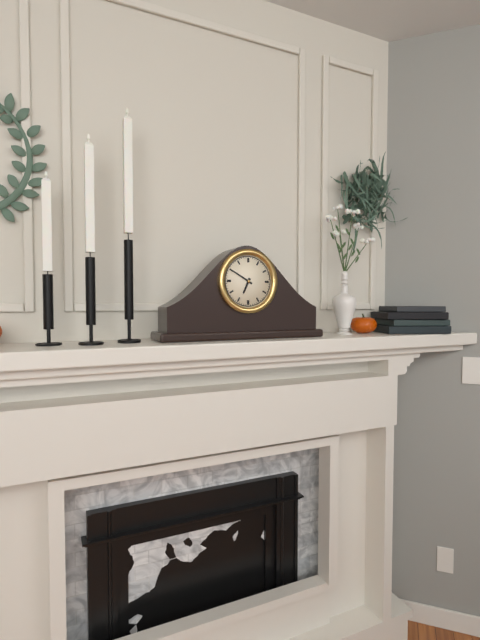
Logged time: 6:50
